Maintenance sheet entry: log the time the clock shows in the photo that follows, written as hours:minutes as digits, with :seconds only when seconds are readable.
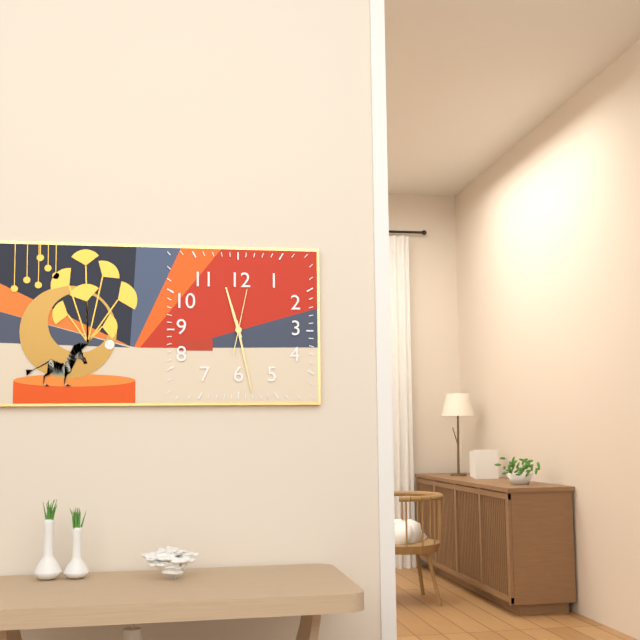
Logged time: 11:28:02
